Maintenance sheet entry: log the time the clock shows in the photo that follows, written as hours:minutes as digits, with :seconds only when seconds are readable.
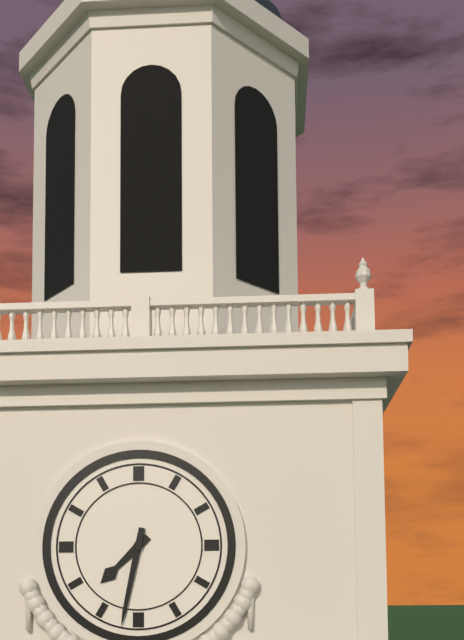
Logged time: 7:32
